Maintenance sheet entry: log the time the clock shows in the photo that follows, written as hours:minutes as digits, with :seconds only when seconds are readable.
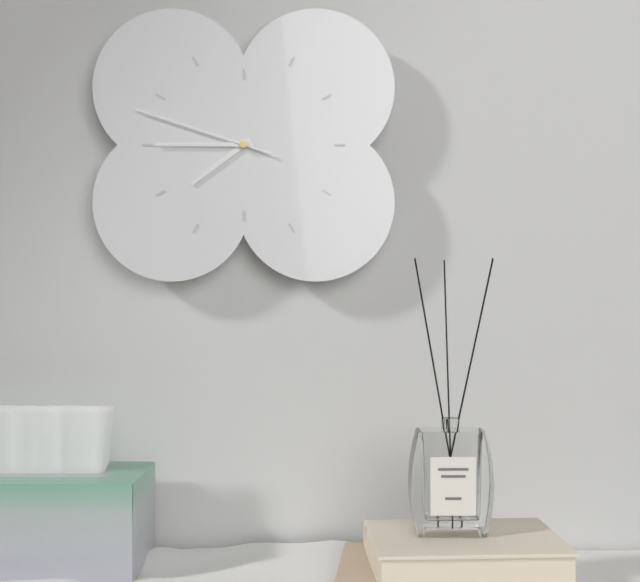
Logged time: 7:45:48
